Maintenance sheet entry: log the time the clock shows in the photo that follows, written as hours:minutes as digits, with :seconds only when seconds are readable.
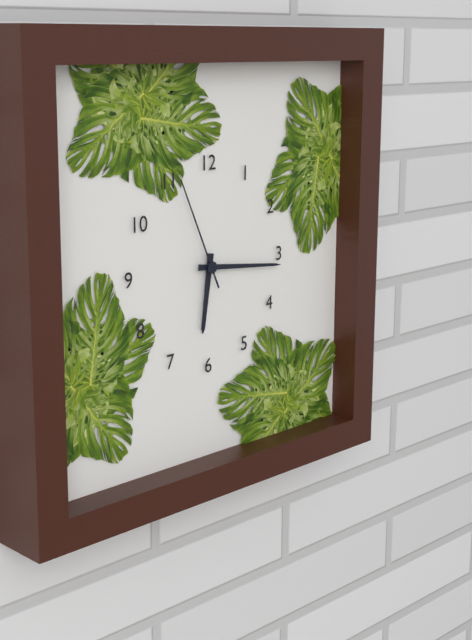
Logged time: 6:16:56
